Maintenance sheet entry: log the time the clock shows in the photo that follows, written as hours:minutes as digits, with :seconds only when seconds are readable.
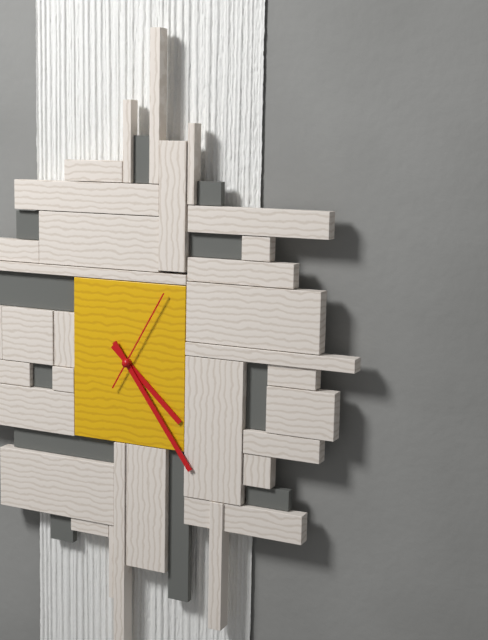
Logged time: 4:24:05
